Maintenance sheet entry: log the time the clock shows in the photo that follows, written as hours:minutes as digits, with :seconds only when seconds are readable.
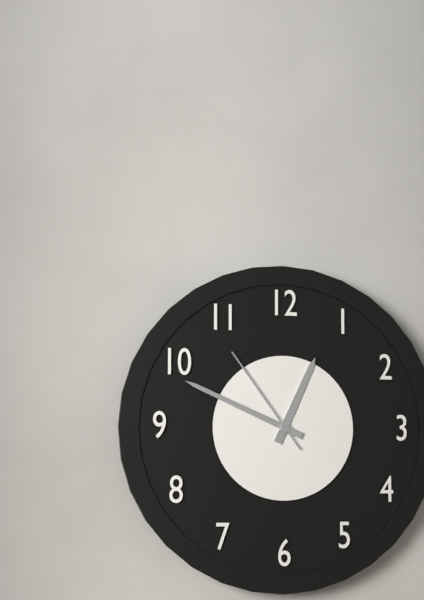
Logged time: 12:49:54
